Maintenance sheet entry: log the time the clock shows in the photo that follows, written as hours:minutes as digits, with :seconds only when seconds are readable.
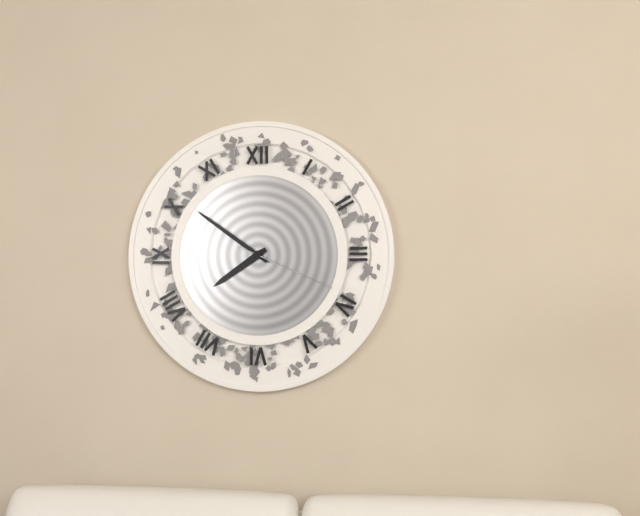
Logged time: 7:51:19
